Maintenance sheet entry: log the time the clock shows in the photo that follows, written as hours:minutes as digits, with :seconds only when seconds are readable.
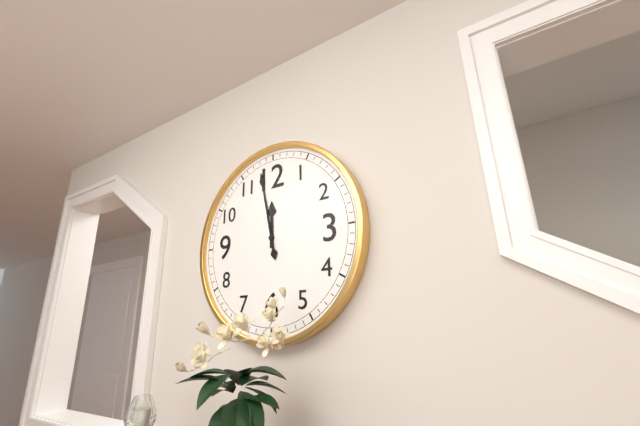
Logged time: 11:58
